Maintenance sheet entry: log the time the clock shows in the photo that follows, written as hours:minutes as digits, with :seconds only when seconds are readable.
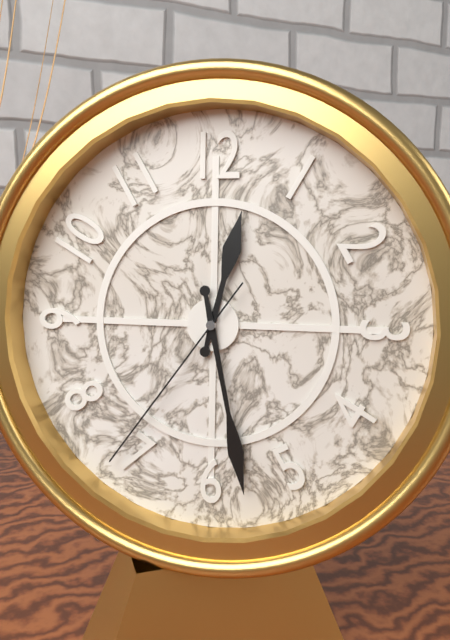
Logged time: 12:28:36
